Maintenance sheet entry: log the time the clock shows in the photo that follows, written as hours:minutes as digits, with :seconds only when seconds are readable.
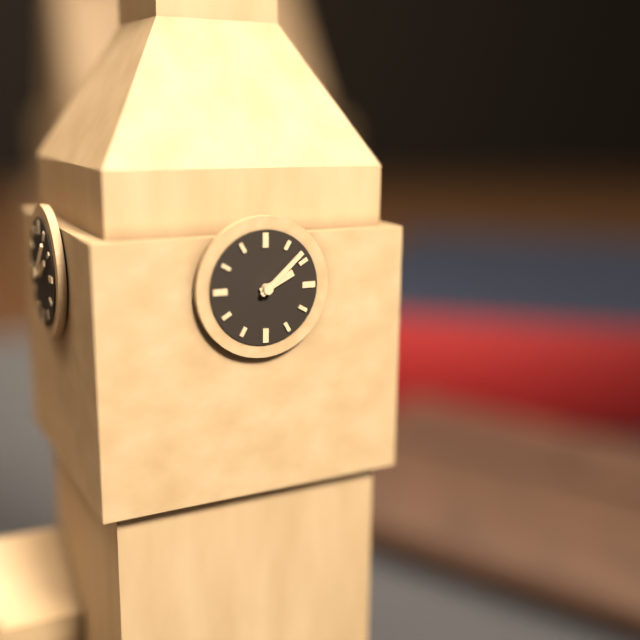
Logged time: 2:08
